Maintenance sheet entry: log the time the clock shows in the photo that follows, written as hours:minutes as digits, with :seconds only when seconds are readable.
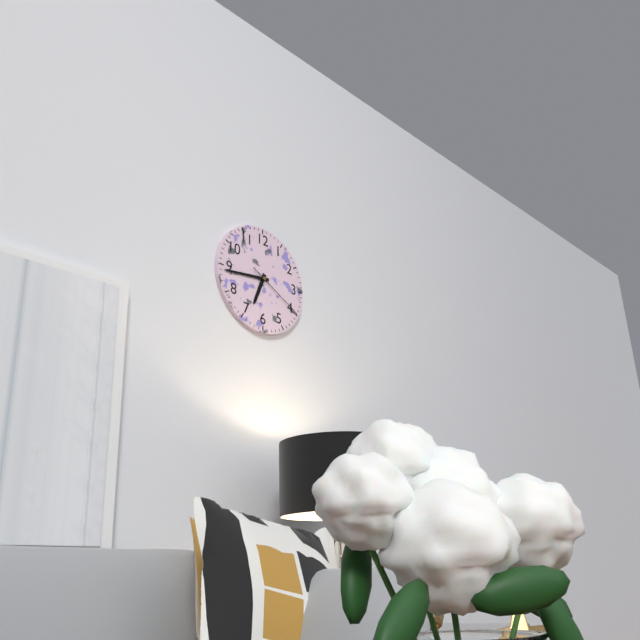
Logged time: 6:44:20
